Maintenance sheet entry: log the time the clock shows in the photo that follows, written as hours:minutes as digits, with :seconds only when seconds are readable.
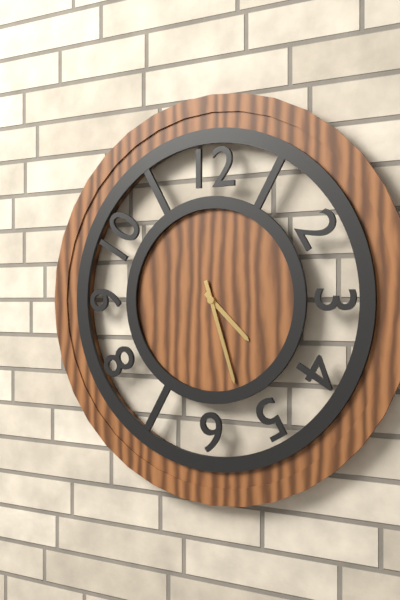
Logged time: 4:27
